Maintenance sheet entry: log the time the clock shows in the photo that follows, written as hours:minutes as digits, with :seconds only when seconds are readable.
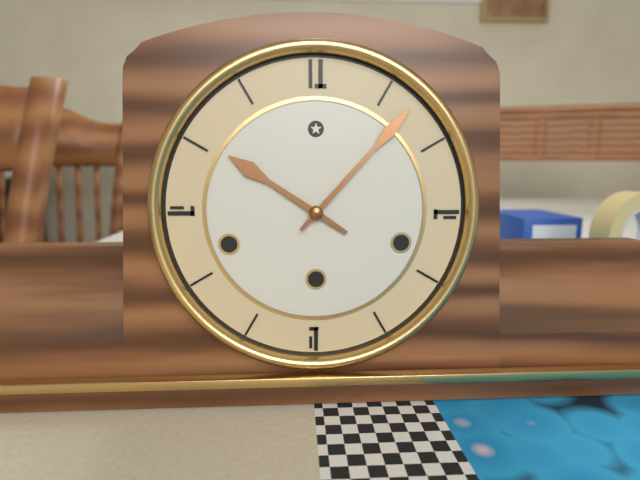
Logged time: 10:07
